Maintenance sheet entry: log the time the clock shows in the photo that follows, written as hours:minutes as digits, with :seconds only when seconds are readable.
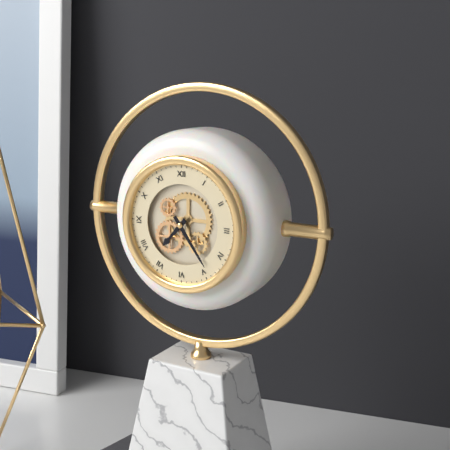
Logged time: 7:24
